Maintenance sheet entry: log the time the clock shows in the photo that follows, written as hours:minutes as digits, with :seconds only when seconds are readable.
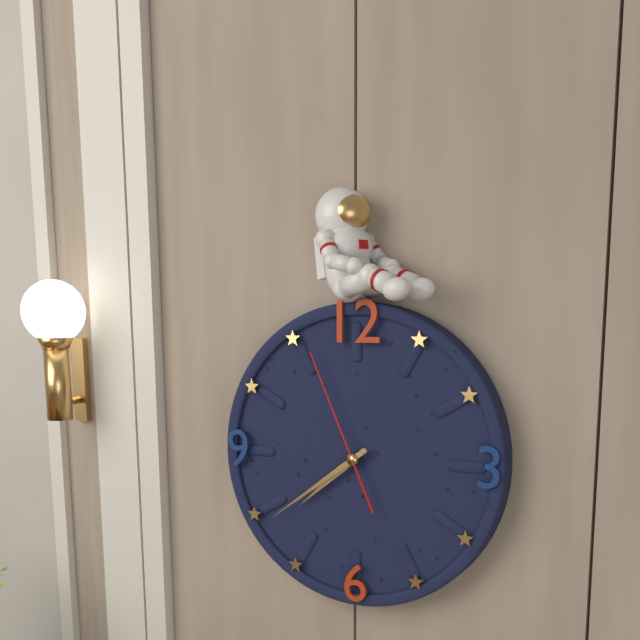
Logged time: 7:39:56
